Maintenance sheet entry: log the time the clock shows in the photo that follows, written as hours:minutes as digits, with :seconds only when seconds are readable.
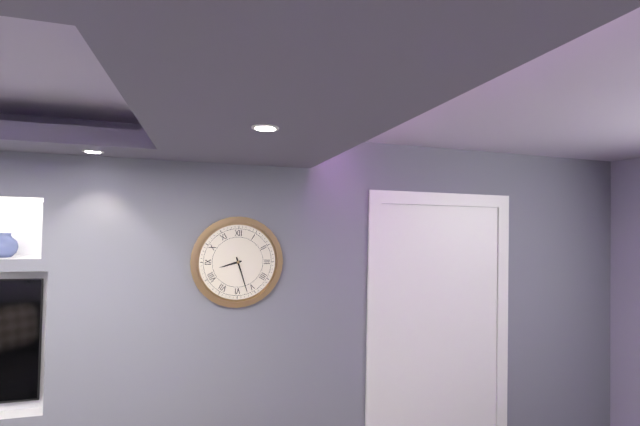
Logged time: 8:27
